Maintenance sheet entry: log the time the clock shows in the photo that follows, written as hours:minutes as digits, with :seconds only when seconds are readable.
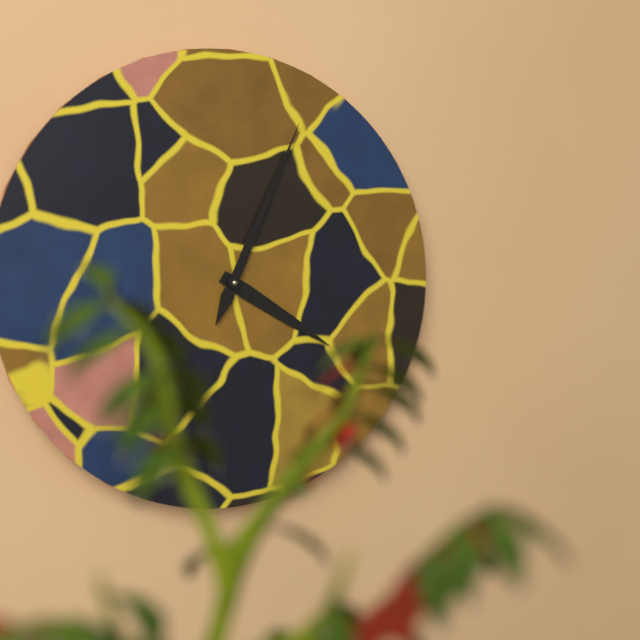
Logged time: 4:04
